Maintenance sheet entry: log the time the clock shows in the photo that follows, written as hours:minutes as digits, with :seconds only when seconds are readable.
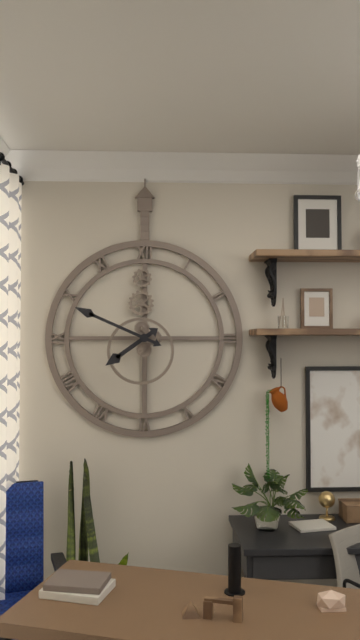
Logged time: 7:49
